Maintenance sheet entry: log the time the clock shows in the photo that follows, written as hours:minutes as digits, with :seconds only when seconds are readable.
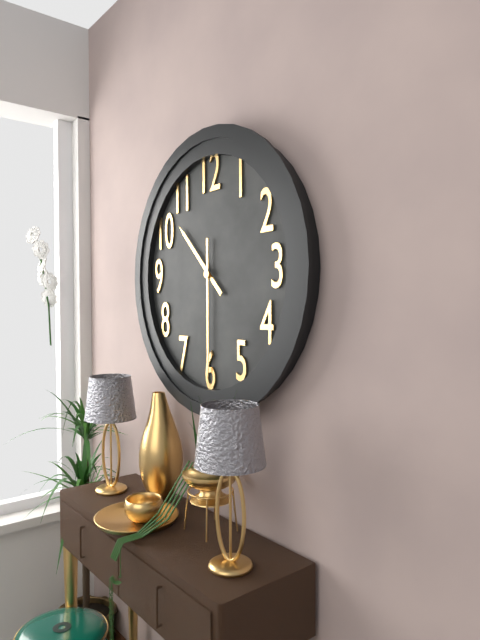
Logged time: 10:30
